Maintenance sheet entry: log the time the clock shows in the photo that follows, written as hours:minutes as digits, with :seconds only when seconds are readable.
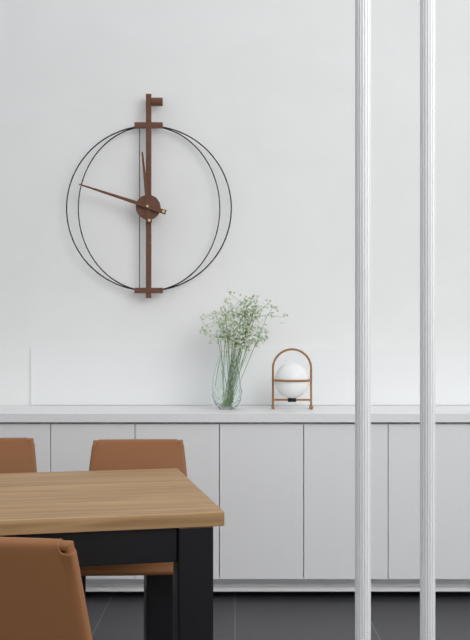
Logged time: 11:48
